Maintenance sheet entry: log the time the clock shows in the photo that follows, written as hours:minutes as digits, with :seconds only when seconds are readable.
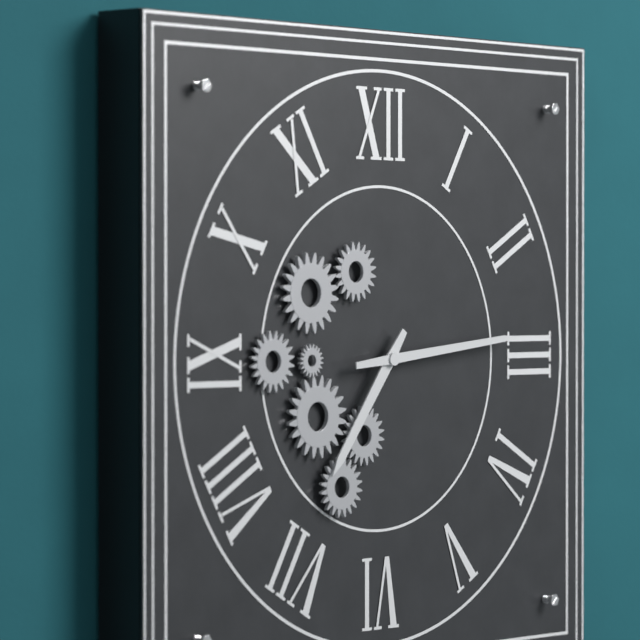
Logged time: 7:14
